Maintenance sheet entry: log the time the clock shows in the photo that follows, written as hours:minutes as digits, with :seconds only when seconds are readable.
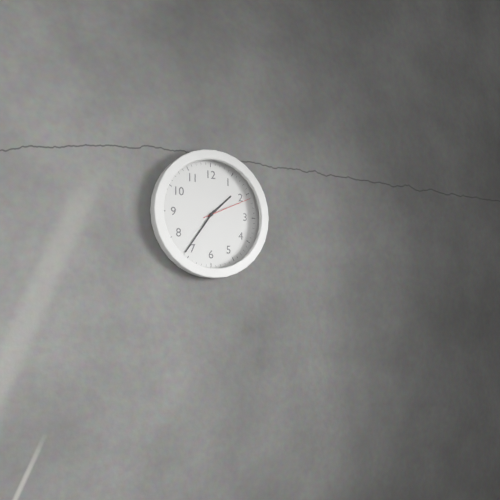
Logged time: 1:36:11
